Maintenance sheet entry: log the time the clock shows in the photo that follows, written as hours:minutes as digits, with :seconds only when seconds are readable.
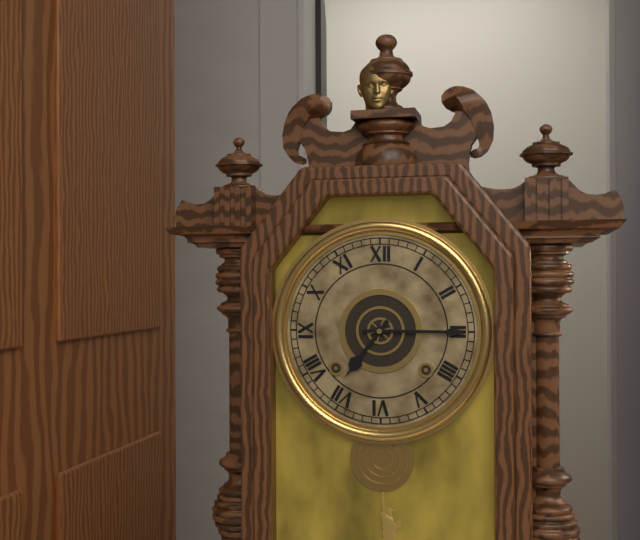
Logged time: 7:15
